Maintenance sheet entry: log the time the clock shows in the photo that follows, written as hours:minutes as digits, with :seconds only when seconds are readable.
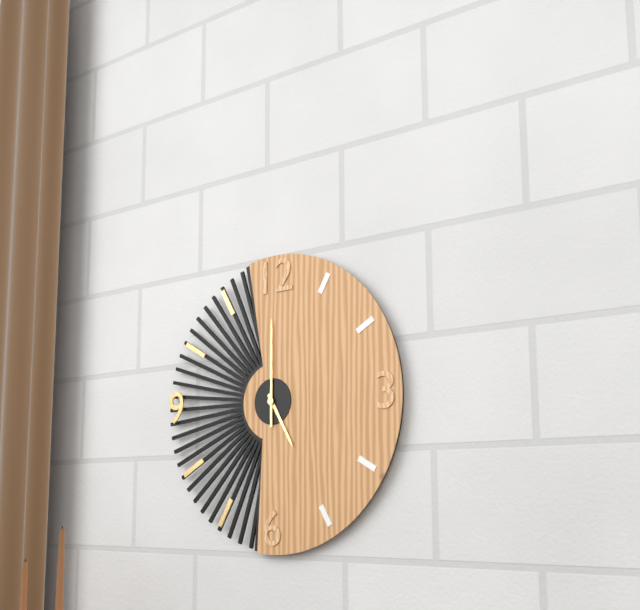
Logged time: 5:00
